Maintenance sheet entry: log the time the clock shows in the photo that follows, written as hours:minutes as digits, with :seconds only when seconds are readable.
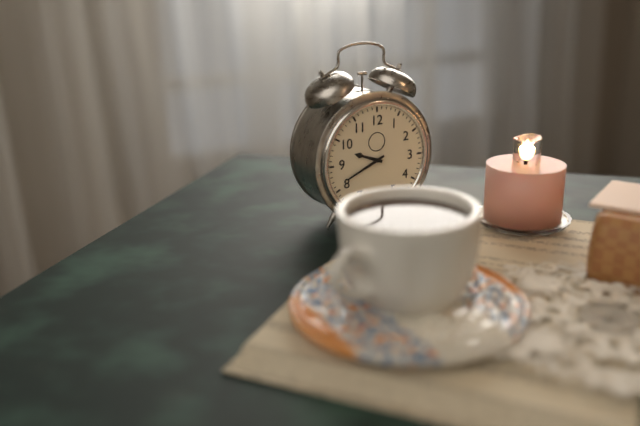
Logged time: 9:41
